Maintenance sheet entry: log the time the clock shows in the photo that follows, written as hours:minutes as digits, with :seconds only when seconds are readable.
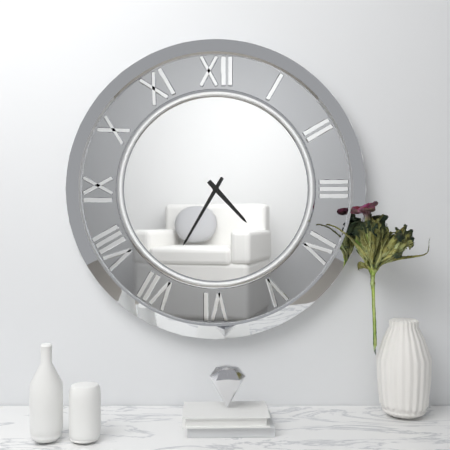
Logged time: 4:35
